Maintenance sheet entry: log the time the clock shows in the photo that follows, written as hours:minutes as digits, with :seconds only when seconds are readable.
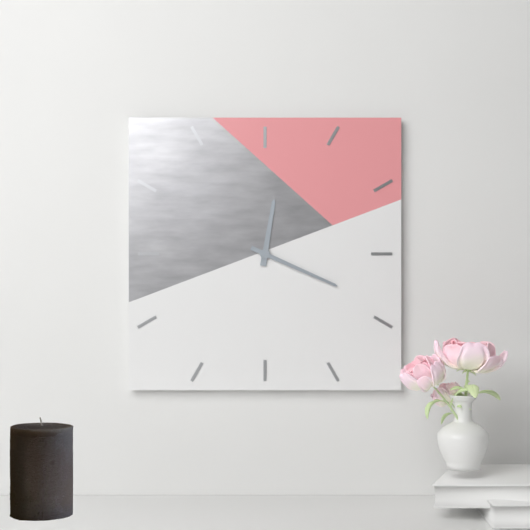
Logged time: 12:19
